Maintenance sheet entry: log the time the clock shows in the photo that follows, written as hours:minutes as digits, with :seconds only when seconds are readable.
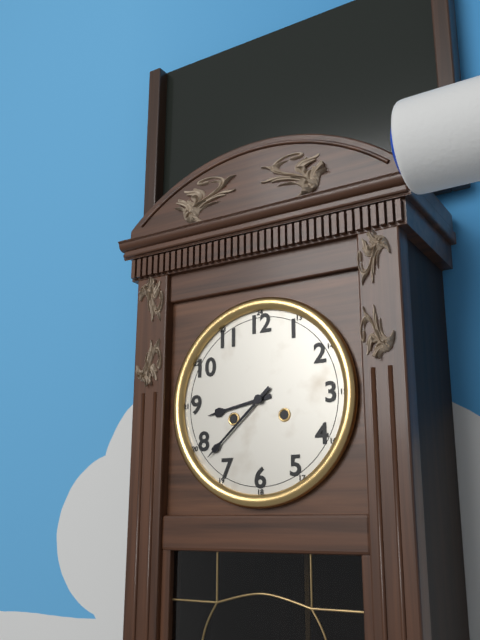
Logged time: 8:38
